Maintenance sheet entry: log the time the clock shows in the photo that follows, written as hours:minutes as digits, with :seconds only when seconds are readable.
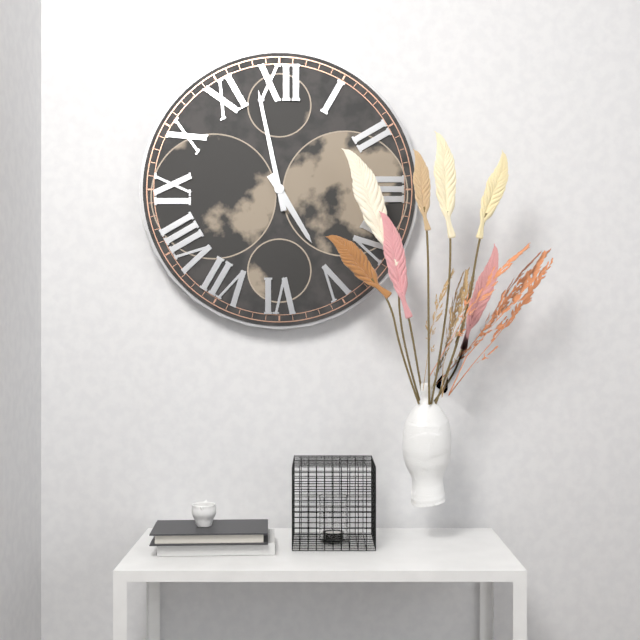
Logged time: 4:58
